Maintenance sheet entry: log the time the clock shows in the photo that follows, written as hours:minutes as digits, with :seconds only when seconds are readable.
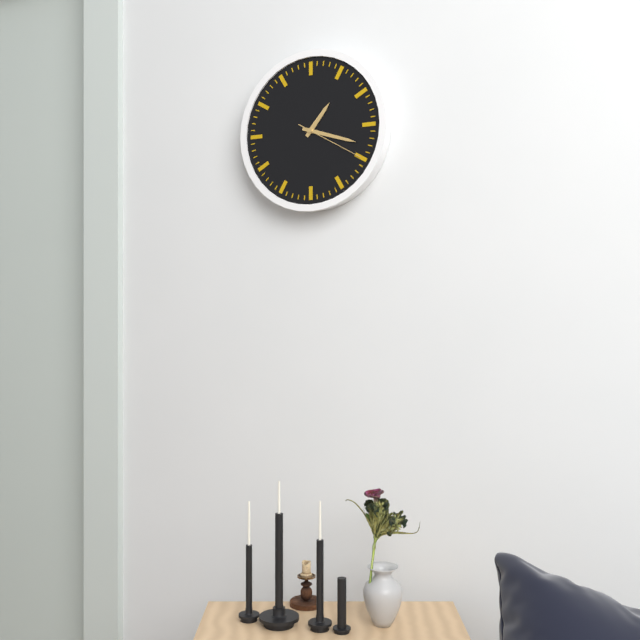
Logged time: 1:18:20
